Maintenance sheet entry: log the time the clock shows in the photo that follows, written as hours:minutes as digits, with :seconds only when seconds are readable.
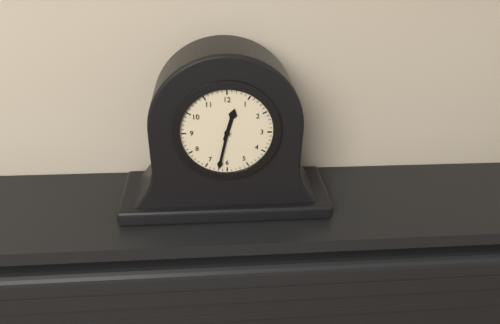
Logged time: 12:32
